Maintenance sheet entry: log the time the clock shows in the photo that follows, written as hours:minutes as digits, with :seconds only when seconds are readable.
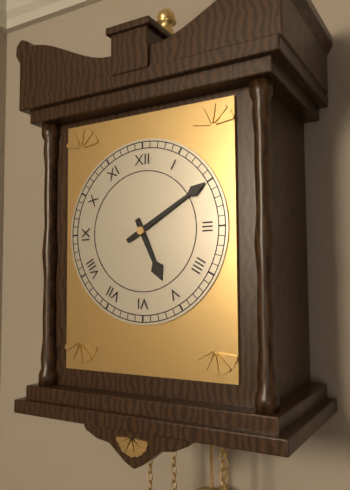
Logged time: 5:10
